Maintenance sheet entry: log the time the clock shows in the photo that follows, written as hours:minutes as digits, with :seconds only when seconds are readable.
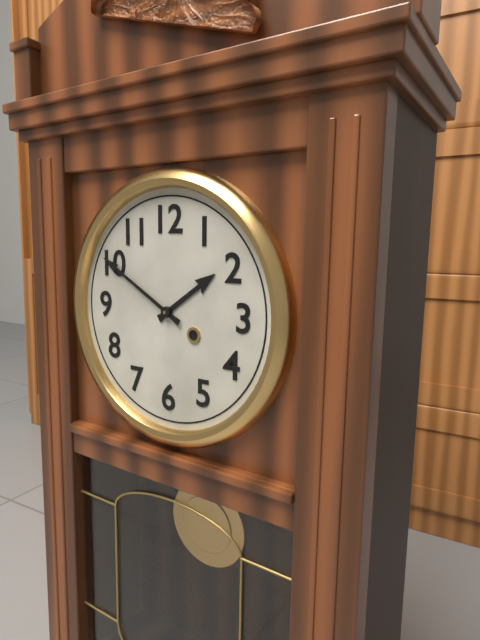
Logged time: 1:50
